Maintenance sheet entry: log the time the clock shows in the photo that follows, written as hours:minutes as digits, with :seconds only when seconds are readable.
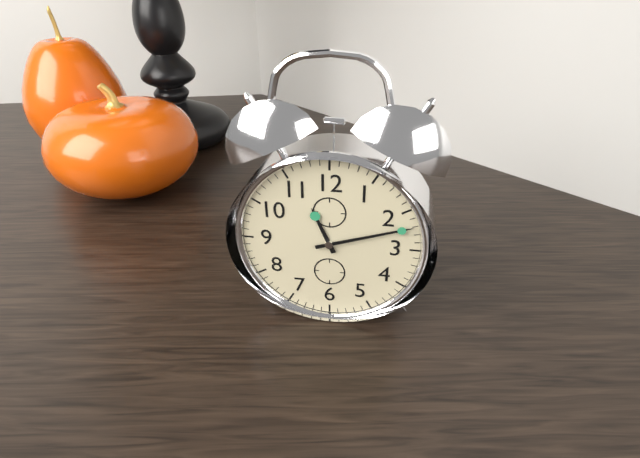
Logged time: 11:12
